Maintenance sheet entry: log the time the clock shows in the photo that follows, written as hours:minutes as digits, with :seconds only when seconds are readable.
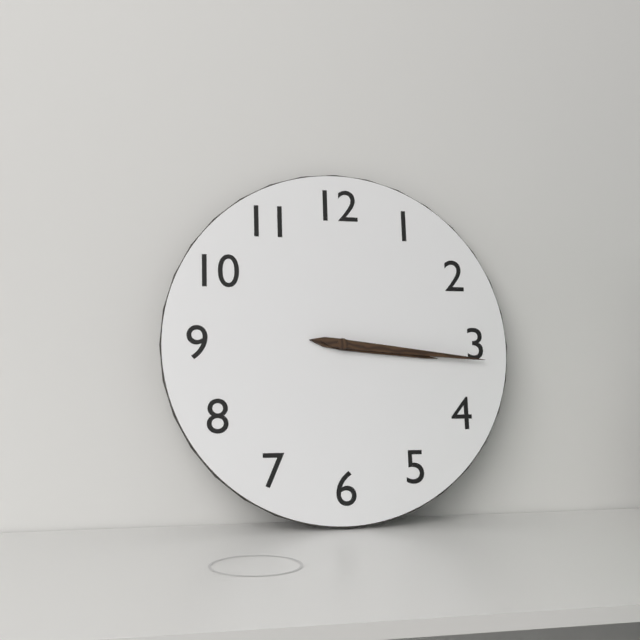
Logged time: 3:16
